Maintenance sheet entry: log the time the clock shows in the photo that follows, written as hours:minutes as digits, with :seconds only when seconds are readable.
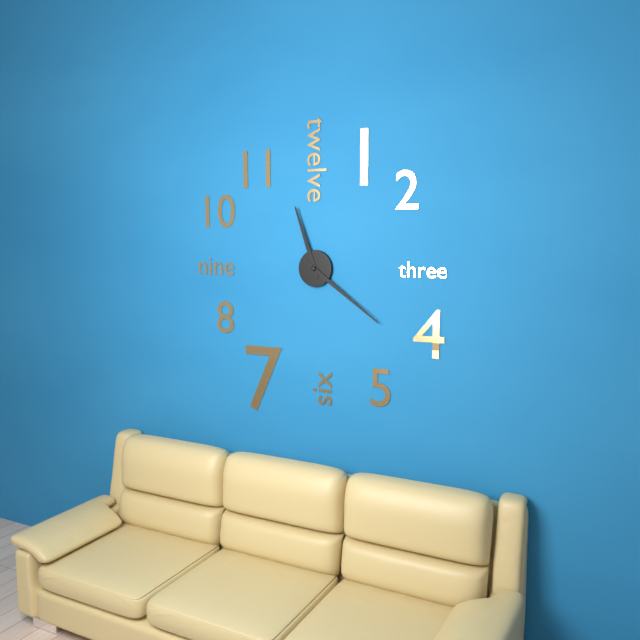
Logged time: 11:21
